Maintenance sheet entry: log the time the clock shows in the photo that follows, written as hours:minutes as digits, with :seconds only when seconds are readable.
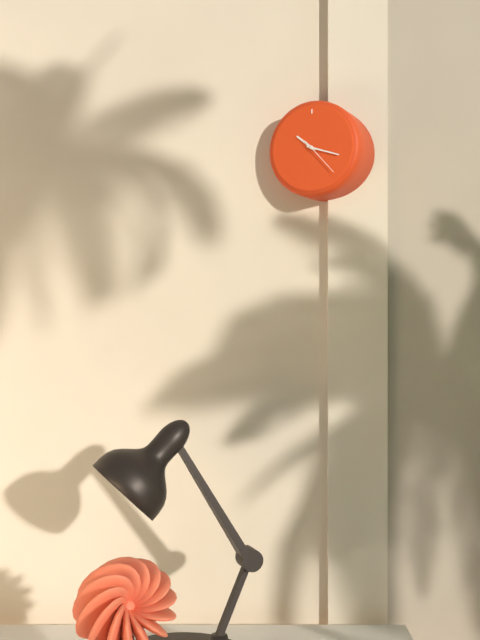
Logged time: 10:18
